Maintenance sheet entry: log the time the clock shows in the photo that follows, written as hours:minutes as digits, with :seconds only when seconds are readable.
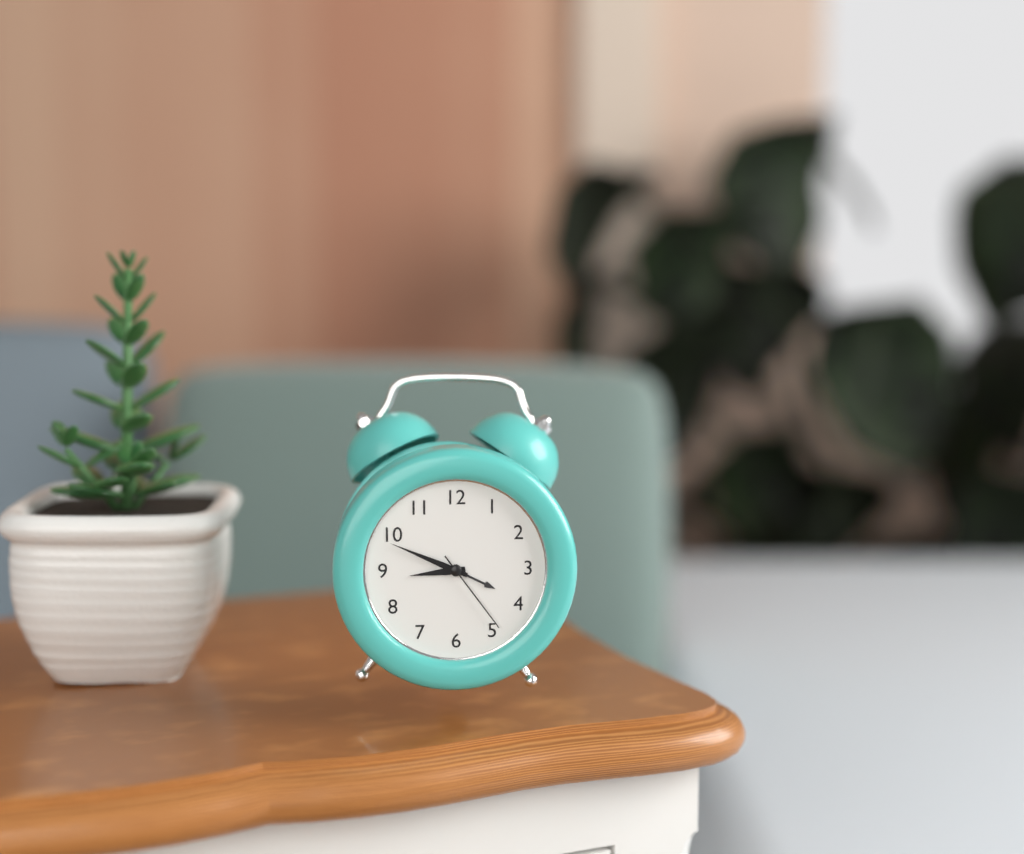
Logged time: 8:49:24
